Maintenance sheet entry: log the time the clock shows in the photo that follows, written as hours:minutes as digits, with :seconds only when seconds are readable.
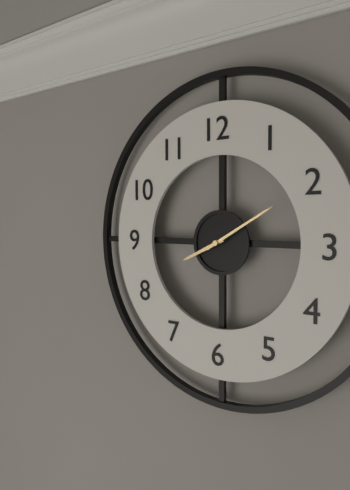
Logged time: 8:10
